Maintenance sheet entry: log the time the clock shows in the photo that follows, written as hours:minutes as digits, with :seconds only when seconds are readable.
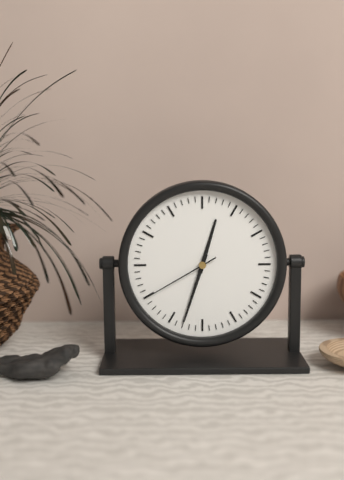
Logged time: 12:33:40
